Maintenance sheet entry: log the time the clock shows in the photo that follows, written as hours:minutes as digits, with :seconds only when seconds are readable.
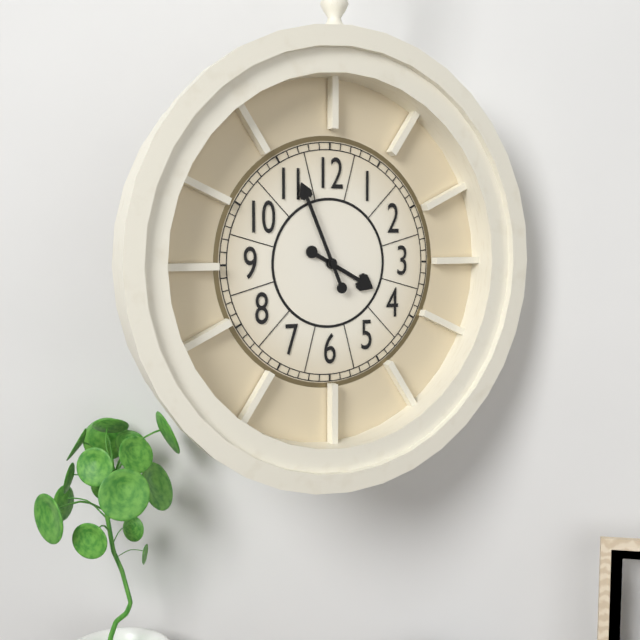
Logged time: 3:56
